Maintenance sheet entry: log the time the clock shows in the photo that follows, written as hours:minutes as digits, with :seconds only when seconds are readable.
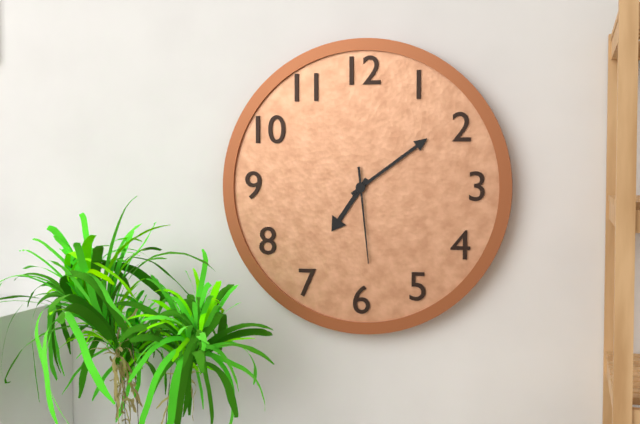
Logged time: 7:09:29
